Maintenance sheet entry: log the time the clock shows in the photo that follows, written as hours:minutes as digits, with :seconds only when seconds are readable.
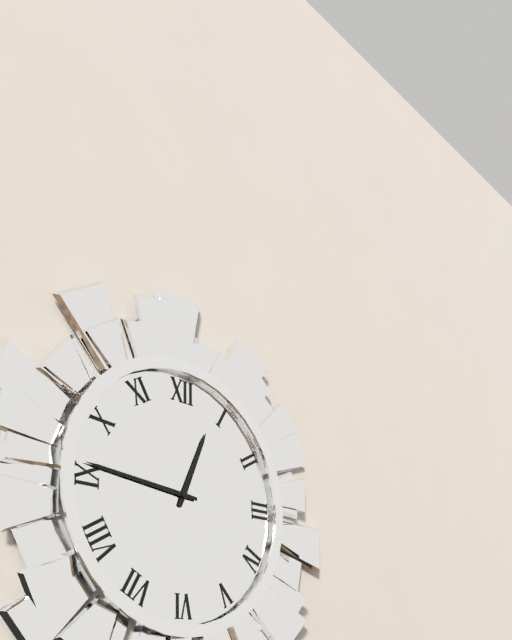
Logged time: 12:46
